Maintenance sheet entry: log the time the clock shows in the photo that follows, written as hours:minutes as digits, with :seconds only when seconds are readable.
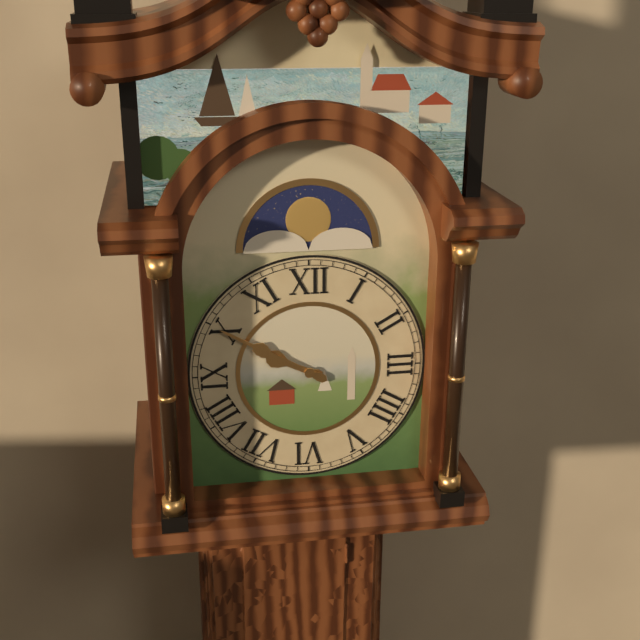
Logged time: 9:50
